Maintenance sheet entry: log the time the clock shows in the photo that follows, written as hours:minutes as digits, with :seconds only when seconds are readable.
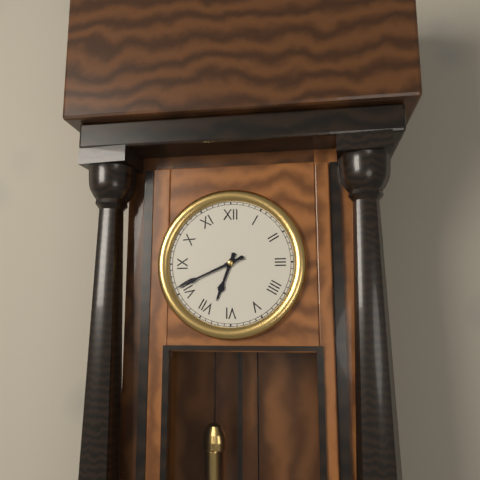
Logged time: 6:41
